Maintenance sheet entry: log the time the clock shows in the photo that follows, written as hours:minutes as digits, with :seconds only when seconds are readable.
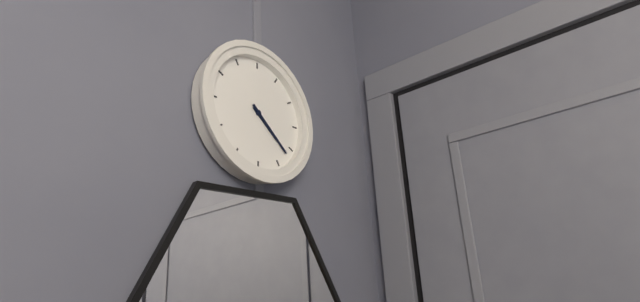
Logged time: 4:22
